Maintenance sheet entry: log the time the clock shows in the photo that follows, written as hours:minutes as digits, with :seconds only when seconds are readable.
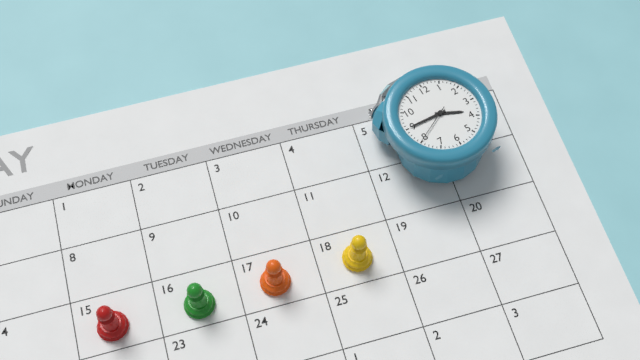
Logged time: 3:45
